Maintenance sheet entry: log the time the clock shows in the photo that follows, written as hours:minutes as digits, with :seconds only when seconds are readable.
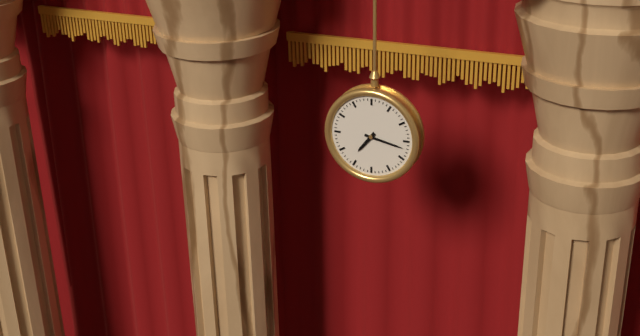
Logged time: 7:17
